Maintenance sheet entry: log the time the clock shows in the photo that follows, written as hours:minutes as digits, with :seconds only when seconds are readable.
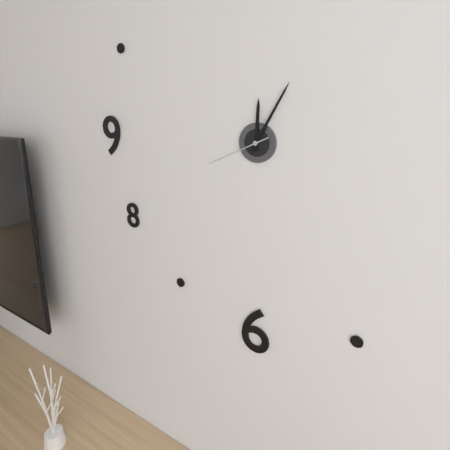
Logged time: 12:05:41
